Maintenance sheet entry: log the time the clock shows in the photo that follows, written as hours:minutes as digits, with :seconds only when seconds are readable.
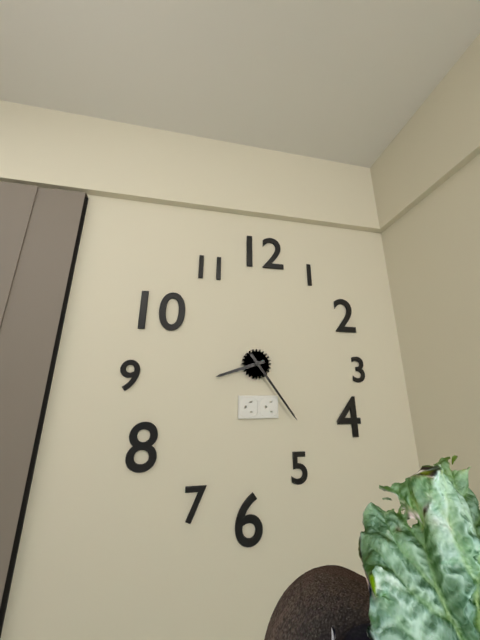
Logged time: 8:24
